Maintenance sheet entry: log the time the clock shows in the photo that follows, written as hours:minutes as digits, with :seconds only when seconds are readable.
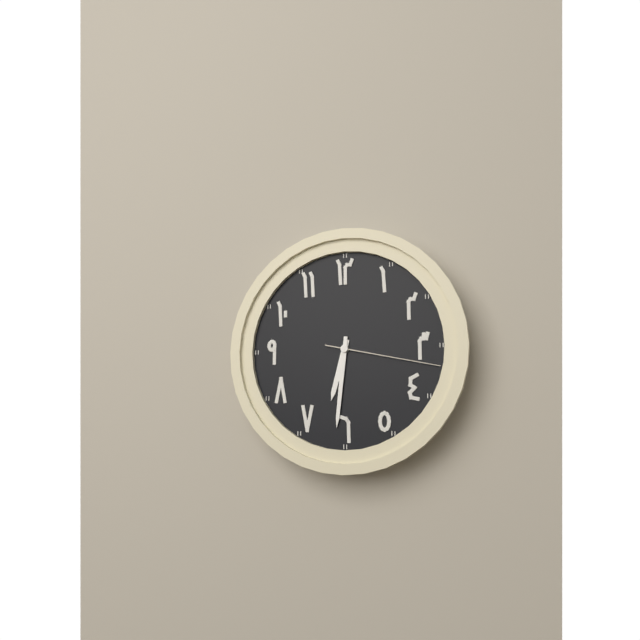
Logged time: 6:31:17
